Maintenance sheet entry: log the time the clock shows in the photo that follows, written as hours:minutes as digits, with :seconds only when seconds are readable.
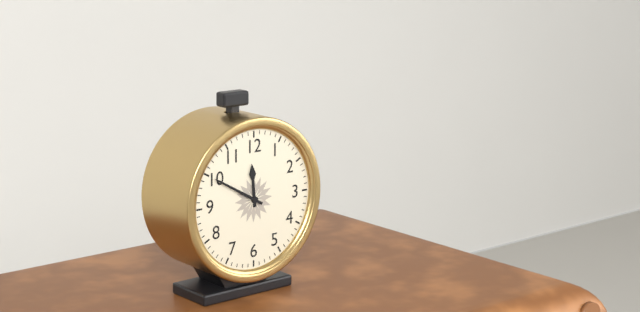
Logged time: 11:50
